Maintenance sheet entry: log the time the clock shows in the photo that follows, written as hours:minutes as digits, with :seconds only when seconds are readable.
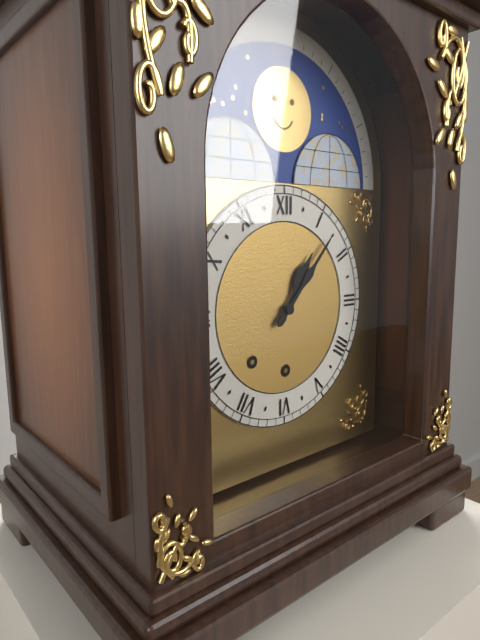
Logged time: 1:07
